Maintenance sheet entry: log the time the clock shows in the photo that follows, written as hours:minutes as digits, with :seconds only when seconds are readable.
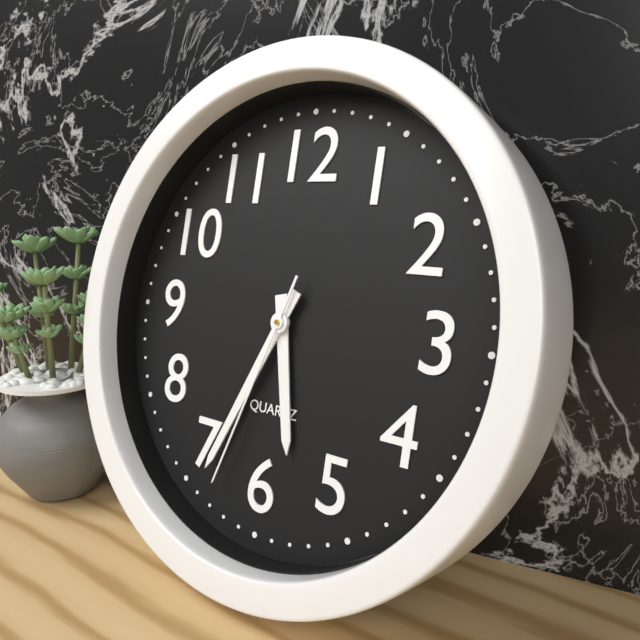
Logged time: 5:34:33
